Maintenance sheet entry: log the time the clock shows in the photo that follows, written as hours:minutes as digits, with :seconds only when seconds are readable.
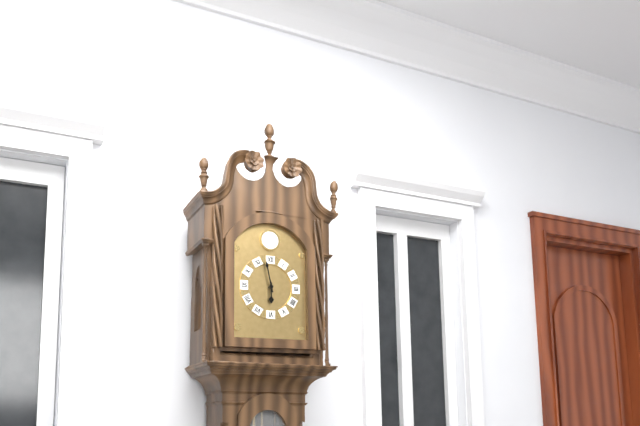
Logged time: 5:58
